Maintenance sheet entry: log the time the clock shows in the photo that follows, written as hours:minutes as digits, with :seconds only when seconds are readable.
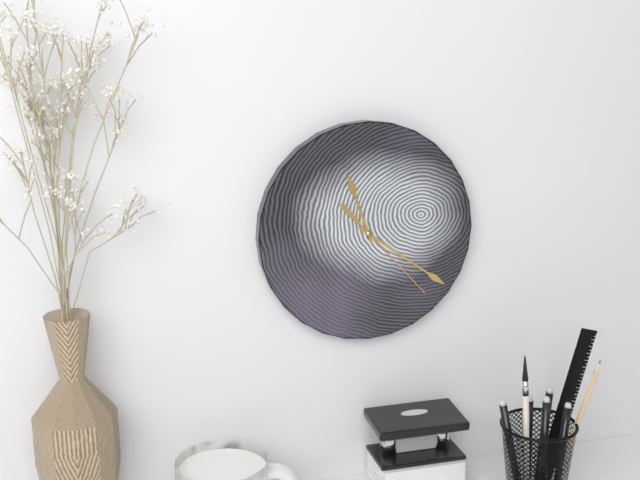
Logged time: 11:21:23
